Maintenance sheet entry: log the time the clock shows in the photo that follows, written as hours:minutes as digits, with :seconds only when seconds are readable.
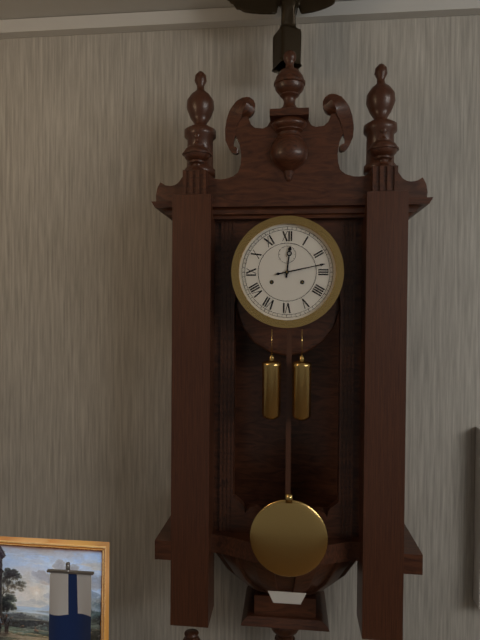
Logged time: 12:13
